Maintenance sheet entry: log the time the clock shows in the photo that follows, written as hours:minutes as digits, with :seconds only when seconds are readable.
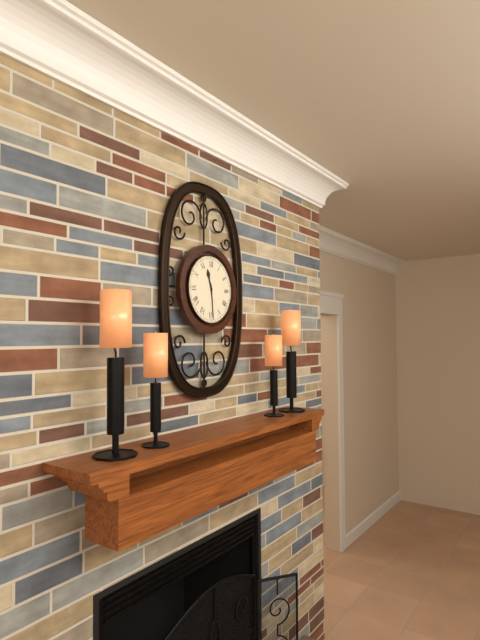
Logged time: 11:29
